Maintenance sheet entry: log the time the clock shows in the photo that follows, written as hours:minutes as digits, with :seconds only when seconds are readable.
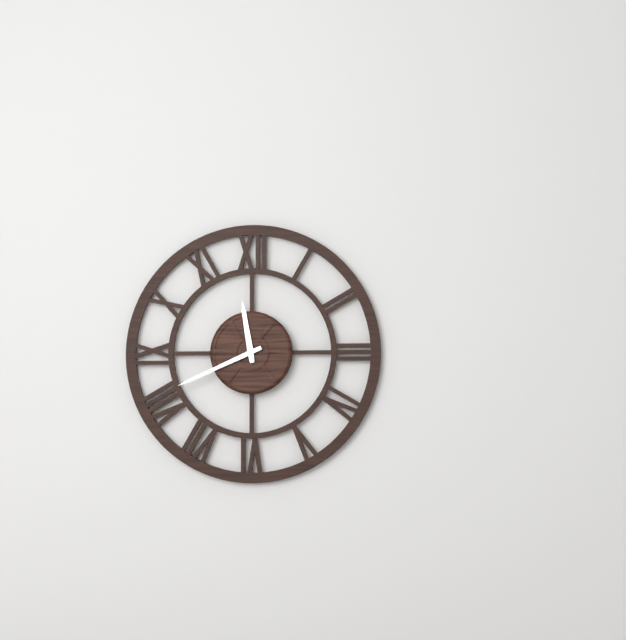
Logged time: 11:41
